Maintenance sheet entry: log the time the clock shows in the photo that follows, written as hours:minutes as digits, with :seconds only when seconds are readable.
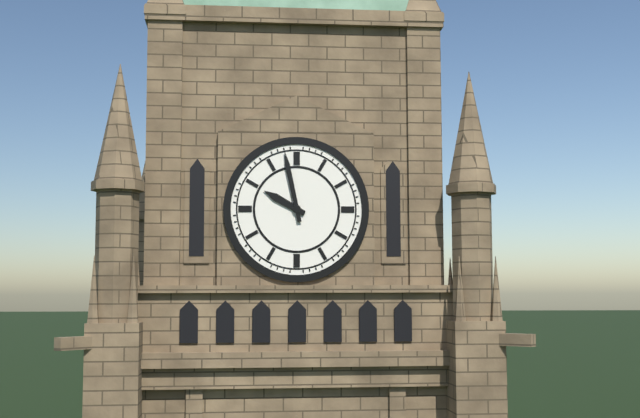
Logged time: 9:58
